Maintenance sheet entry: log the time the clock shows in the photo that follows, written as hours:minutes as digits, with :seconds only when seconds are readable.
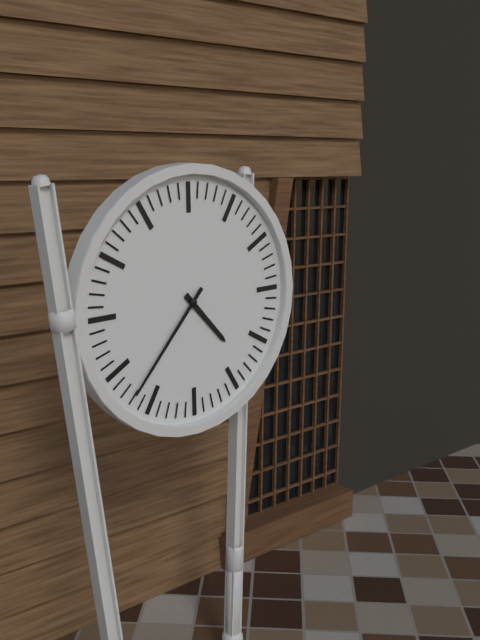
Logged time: 4:37
